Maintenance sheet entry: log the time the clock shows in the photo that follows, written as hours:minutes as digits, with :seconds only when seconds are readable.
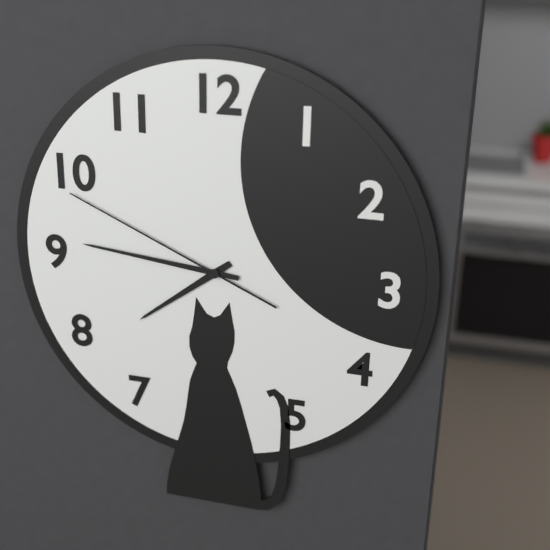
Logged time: 7:46:49
